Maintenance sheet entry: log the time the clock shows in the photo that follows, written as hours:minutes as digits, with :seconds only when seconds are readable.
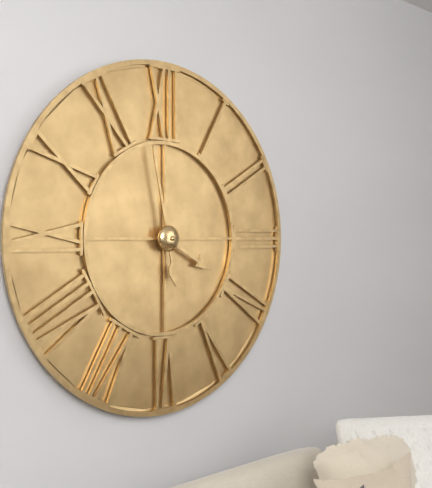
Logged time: 3:58
